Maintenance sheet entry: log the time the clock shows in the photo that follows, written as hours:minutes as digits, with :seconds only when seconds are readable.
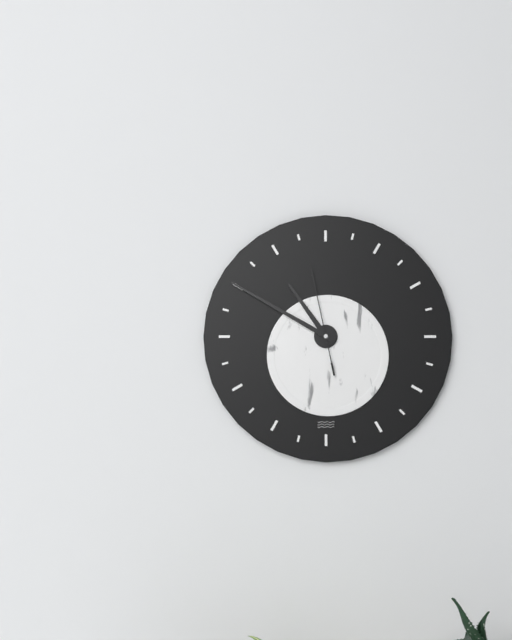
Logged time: 10:50:58
